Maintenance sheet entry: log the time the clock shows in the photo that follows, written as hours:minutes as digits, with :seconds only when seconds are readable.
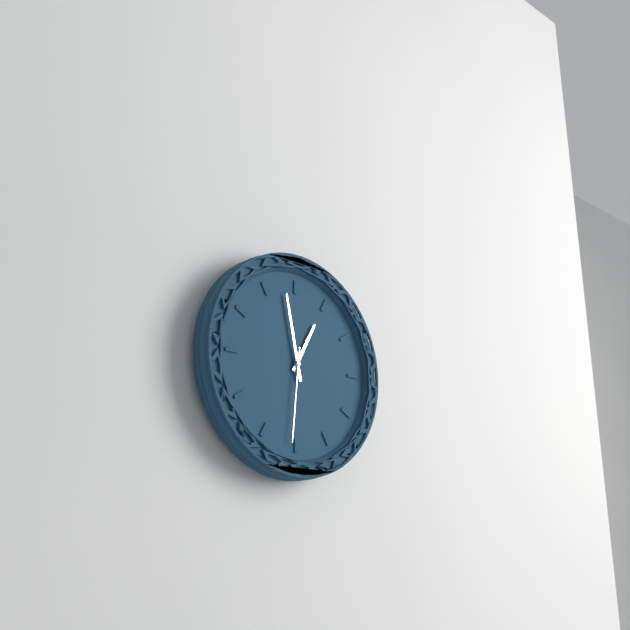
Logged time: 12:58:31
